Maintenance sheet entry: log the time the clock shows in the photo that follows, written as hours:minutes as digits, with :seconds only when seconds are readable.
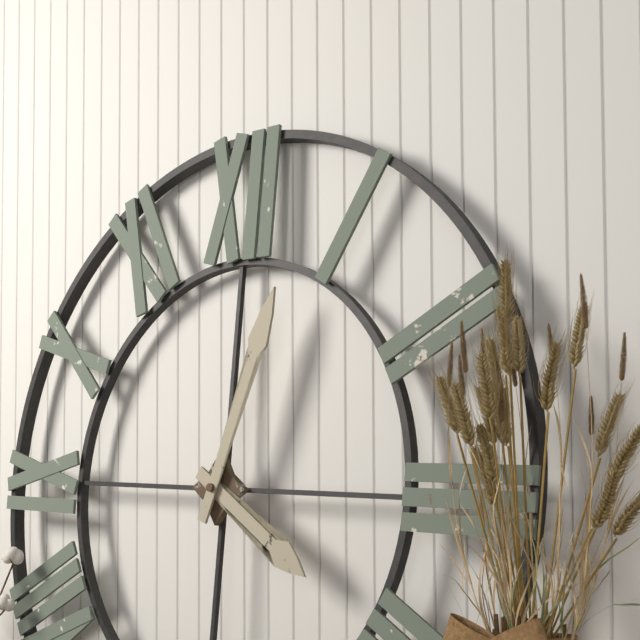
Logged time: 4:03
